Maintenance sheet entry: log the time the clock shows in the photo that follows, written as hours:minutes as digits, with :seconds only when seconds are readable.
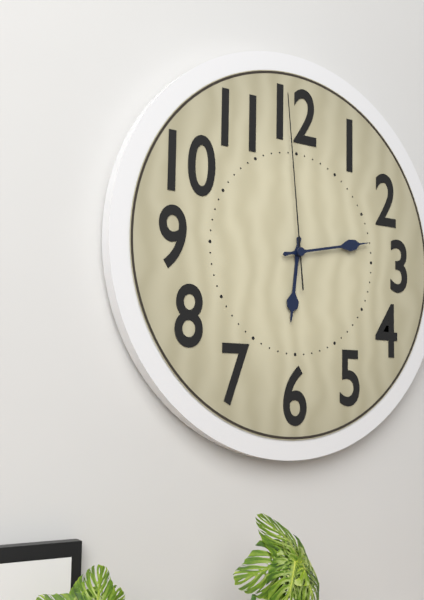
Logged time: 6:13:59
